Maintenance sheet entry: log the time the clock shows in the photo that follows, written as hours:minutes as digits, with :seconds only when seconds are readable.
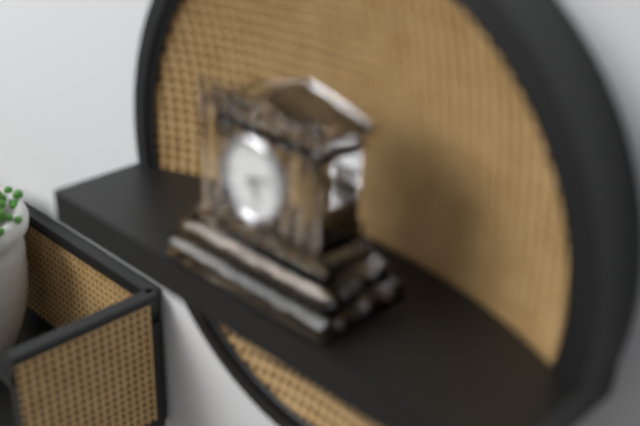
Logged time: 5:12
